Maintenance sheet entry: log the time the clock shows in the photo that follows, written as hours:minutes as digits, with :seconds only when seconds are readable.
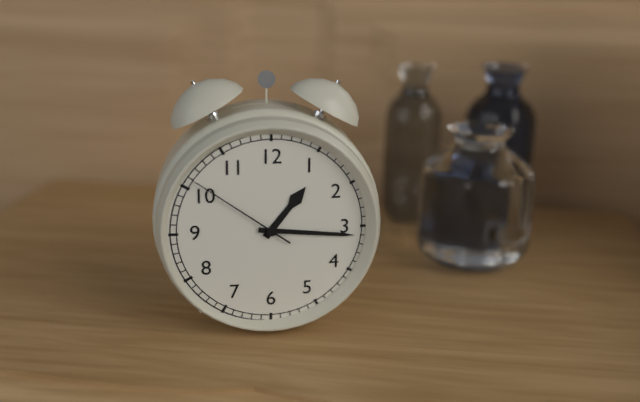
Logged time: 1:16:51
